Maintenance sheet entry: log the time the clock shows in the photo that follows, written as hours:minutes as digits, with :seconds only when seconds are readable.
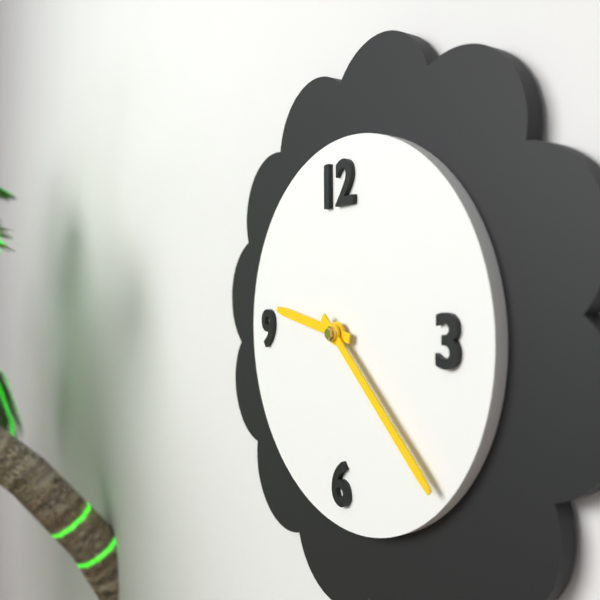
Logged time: 9:22
